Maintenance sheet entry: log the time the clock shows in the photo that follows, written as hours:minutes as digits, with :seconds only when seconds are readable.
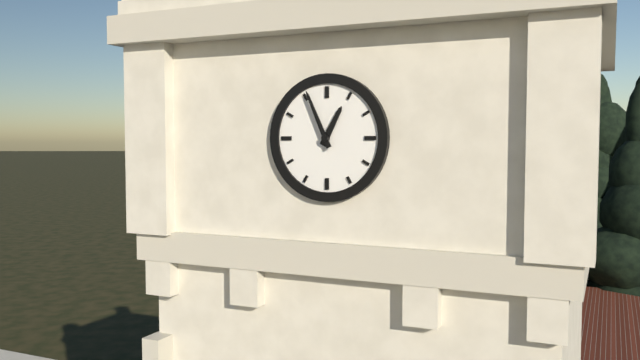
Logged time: 12:56
